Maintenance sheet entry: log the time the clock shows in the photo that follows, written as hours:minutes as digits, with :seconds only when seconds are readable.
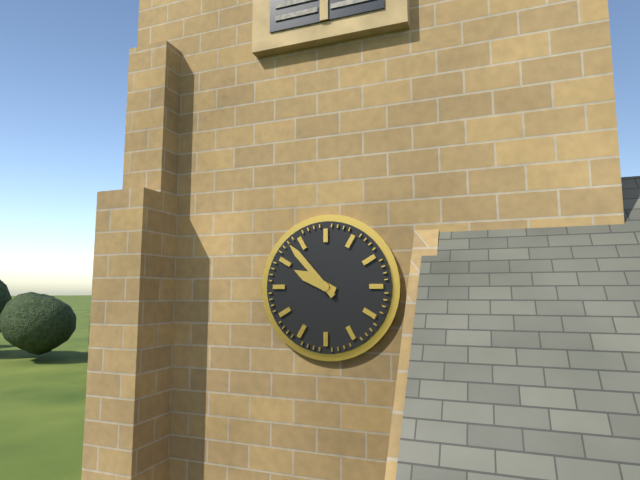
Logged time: 9:53
